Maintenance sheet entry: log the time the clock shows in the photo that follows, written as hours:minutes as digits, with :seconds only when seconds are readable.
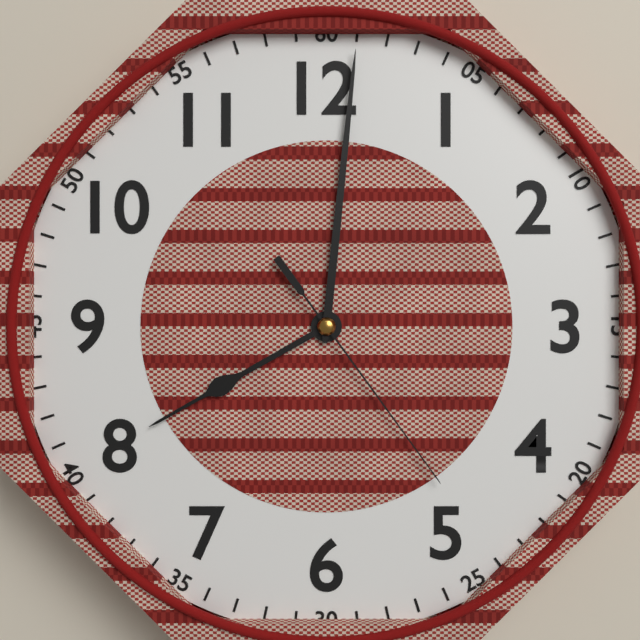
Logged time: 8:01:24
